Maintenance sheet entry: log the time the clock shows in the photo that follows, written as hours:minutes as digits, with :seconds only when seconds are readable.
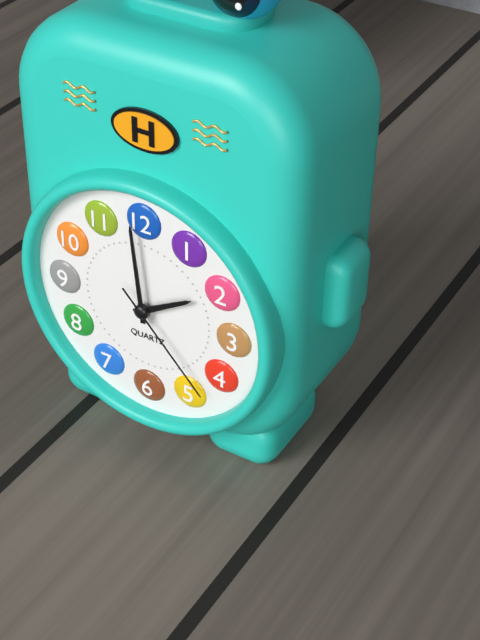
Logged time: 1:59:23
